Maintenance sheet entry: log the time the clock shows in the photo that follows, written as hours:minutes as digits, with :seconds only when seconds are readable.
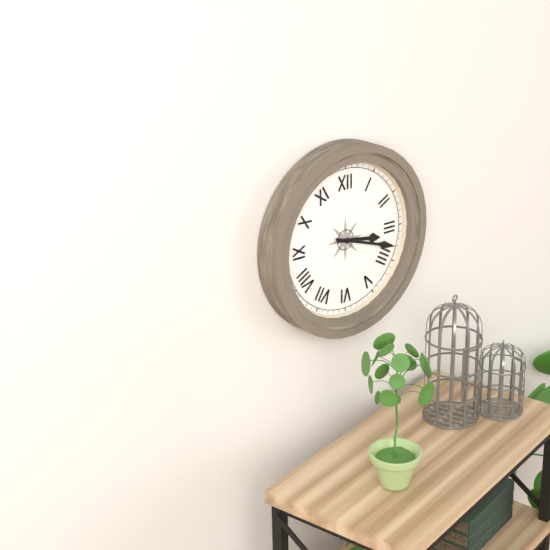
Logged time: 3:18
